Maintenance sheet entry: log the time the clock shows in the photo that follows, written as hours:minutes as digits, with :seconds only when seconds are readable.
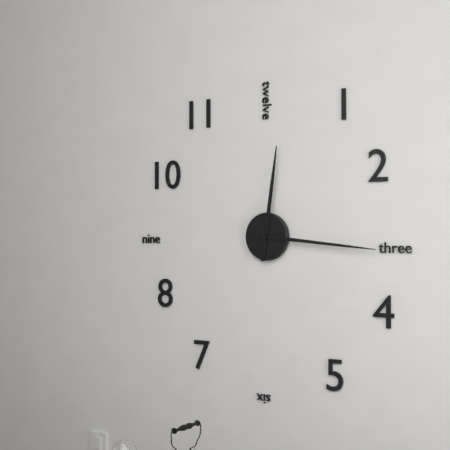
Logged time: 12:16
